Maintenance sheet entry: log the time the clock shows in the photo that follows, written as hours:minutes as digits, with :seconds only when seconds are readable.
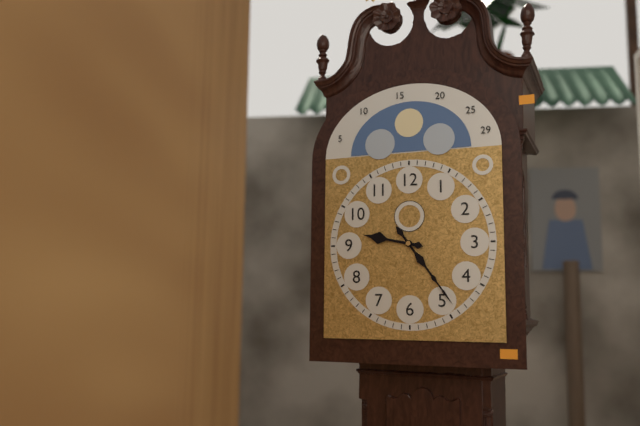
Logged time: 9:24
